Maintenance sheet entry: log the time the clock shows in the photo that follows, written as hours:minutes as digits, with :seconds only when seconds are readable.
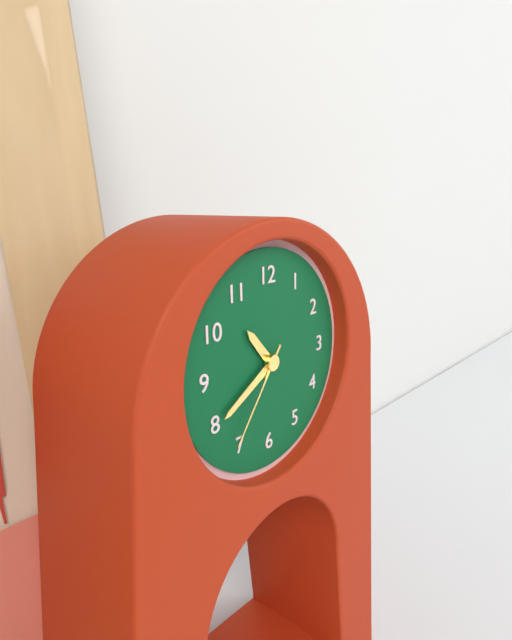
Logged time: 10:40:36
